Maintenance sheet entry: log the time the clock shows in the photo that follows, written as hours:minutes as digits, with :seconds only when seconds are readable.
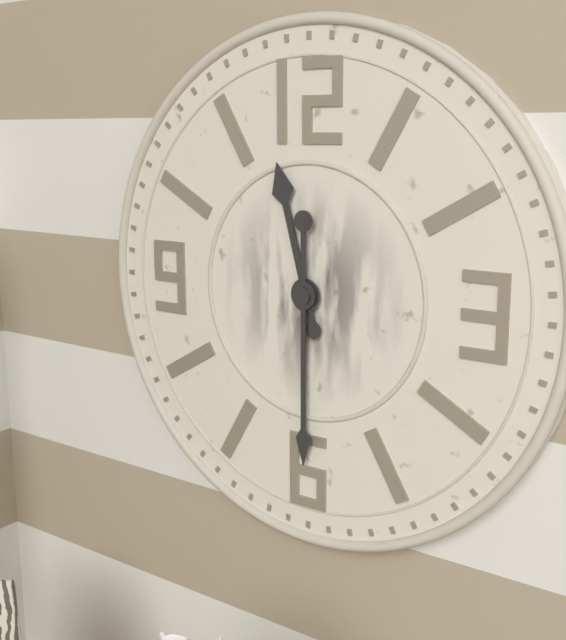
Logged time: 11:30
